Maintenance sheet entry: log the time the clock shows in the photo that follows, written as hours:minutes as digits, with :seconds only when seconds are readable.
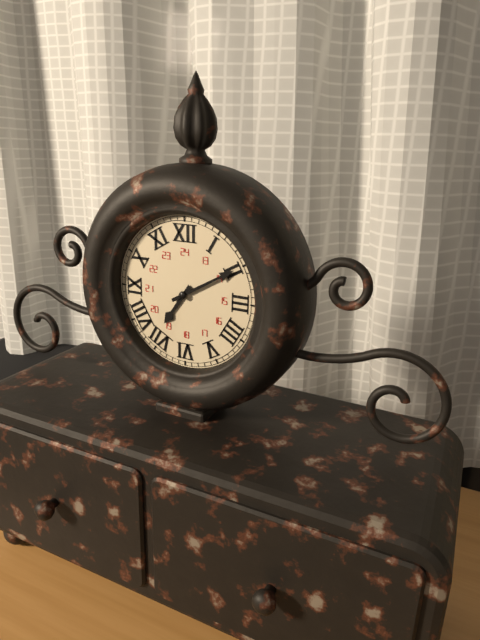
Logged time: 7:10
